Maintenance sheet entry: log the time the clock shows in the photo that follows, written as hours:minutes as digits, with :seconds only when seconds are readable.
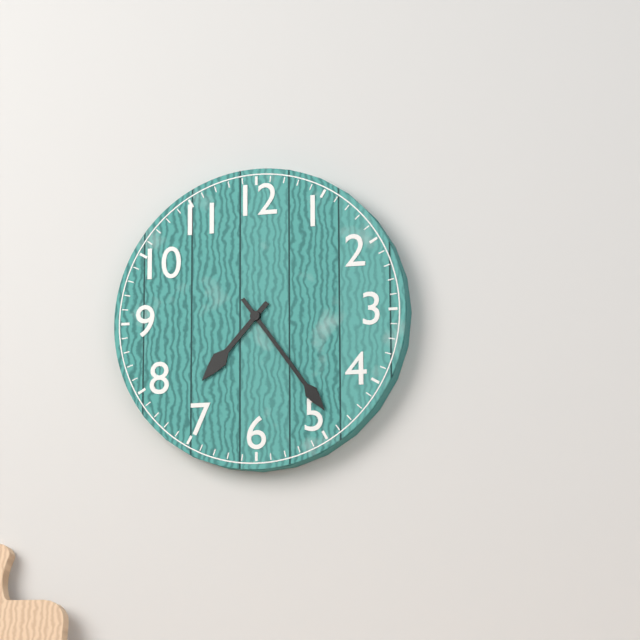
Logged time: 7:24
